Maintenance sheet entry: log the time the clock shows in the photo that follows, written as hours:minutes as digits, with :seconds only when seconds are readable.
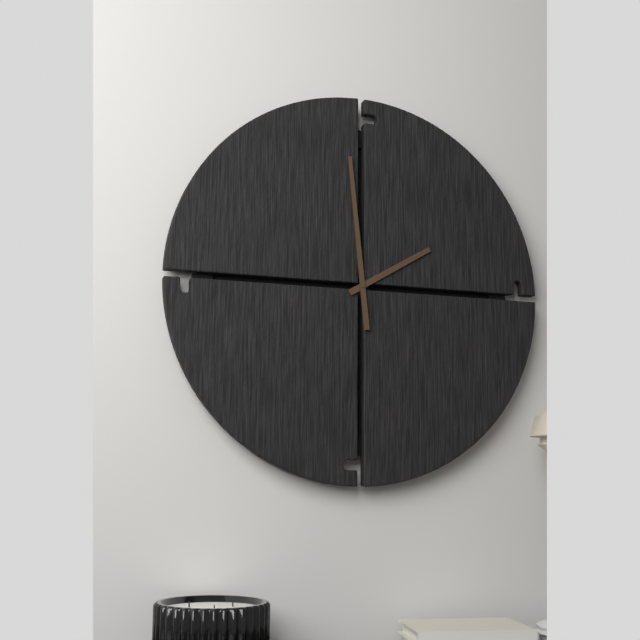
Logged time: 1:59
